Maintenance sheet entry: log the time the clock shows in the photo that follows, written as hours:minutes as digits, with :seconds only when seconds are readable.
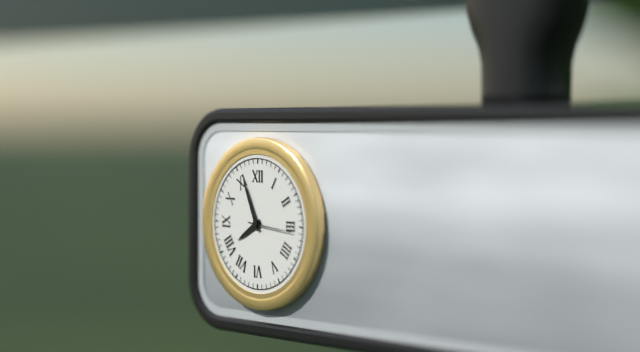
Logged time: 7:56
